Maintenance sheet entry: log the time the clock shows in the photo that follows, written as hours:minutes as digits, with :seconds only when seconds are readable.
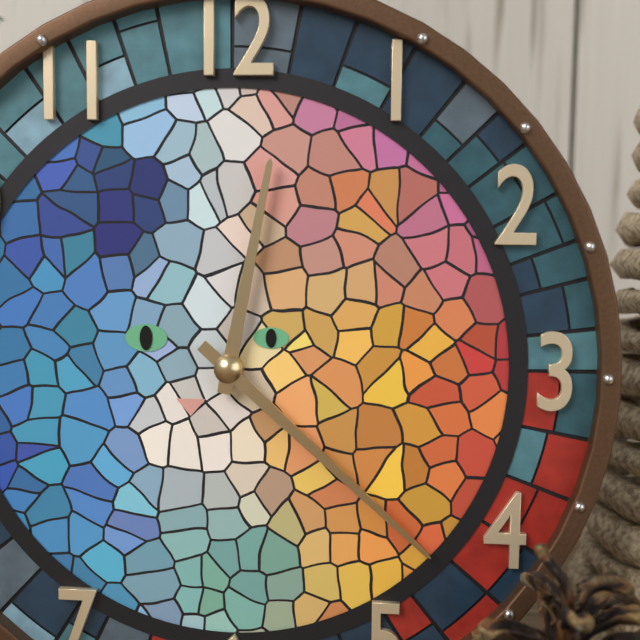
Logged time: 12:22
